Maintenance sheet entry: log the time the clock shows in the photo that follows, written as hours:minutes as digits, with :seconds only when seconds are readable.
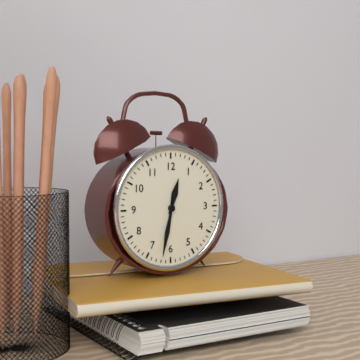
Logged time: 12:32
